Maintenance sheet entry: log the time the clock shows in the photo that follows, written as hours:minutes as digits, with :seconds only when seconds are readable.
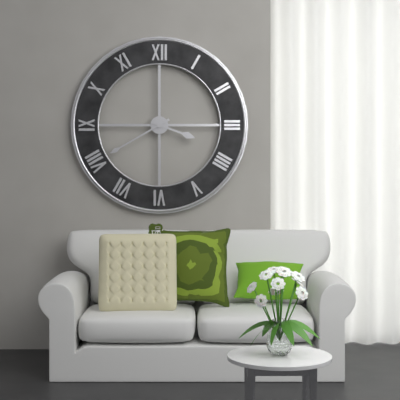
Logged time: 3:40
